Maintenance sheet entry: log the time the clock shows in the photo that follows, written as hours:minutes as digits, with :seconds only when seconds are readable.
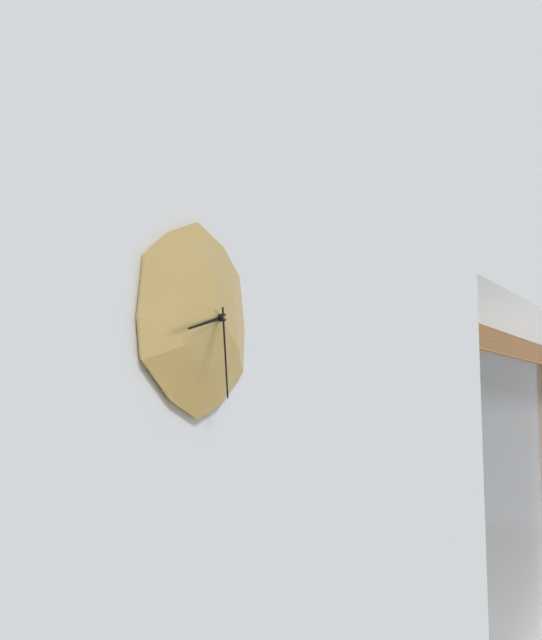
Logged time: 8:29
